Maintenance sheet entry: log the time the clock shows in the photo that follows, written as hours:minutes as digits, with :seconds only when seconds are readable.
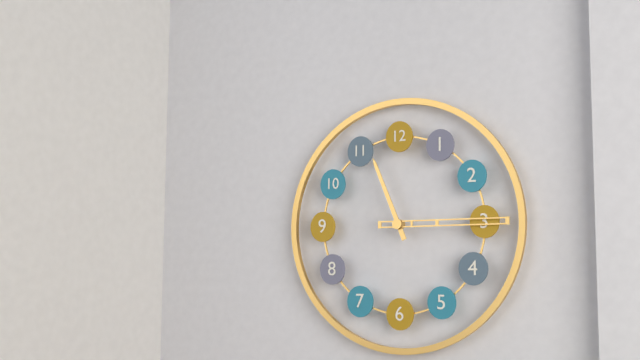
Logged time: 11:15
